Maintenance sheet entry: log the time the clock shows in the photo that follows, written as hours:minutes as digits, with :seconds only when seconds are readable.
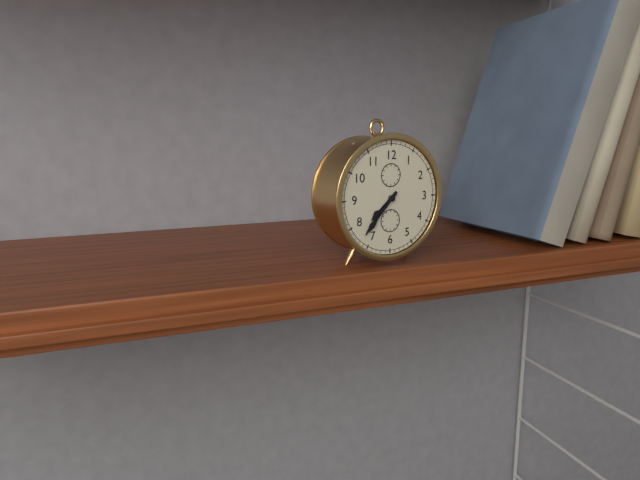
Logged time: 7:37
